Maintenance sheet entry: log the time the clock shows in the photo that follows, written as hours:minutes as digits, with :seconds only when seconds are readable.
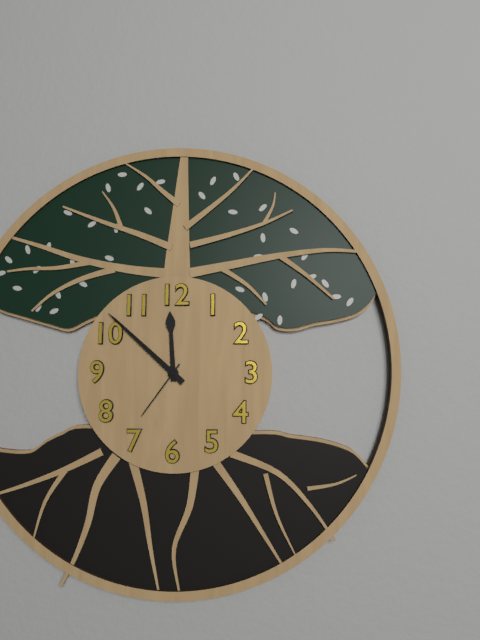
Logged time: 11:52:36
